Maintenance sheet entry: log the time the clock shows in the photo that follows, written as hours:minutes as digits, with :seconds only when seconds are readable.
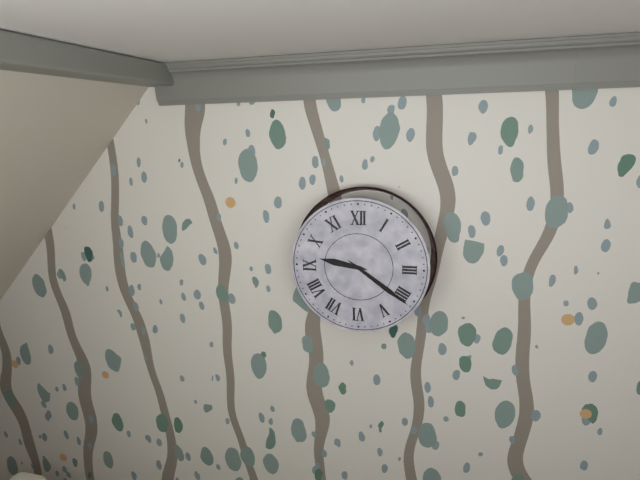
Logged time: 9:21
